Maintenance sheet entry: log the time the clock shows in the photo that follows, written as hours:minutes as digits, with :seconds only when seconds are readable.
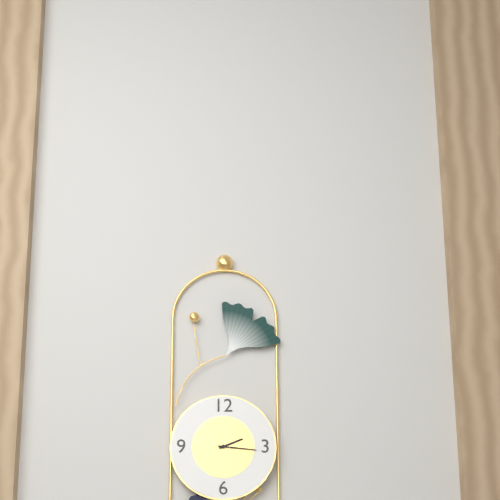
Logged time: 2:16
